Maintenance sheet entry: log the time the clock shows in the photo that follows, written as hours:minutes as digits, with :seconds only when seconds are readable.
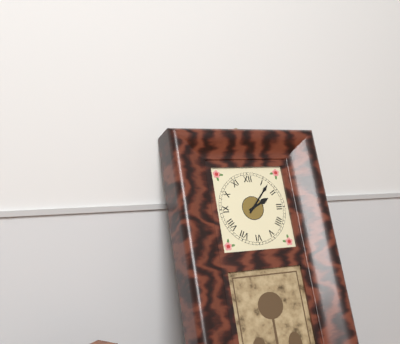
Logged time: 2:07
